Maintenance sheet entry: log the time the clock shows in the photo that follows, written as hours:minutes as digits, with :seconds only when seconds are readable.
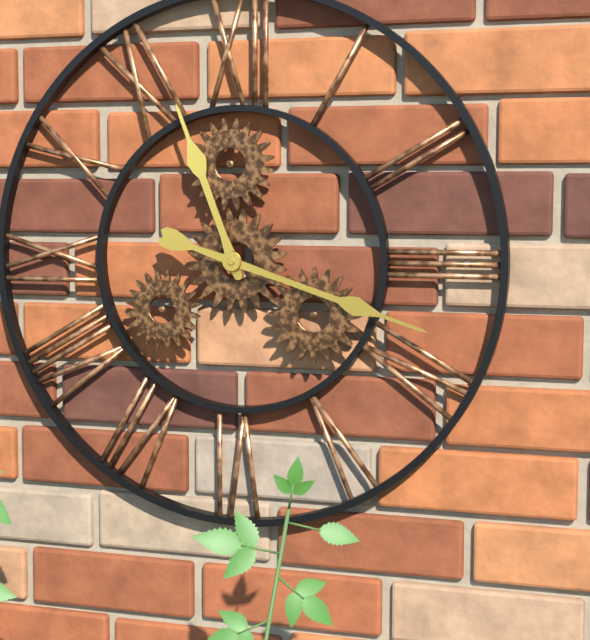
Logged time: 11:18
